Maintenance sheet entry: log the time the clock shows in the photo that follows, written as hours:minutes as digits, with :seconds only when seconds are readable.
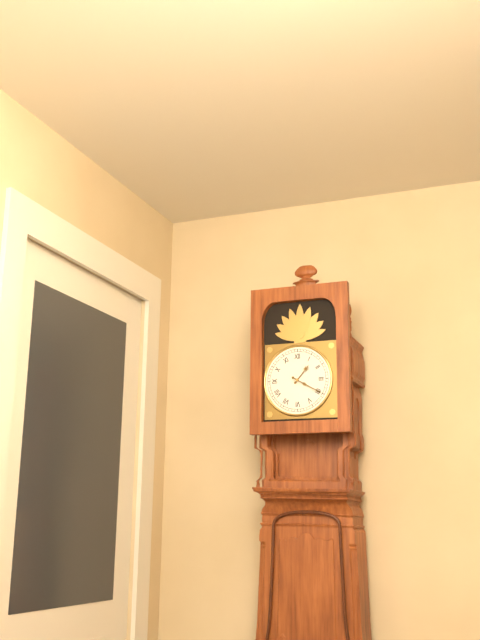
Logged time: 1:20
